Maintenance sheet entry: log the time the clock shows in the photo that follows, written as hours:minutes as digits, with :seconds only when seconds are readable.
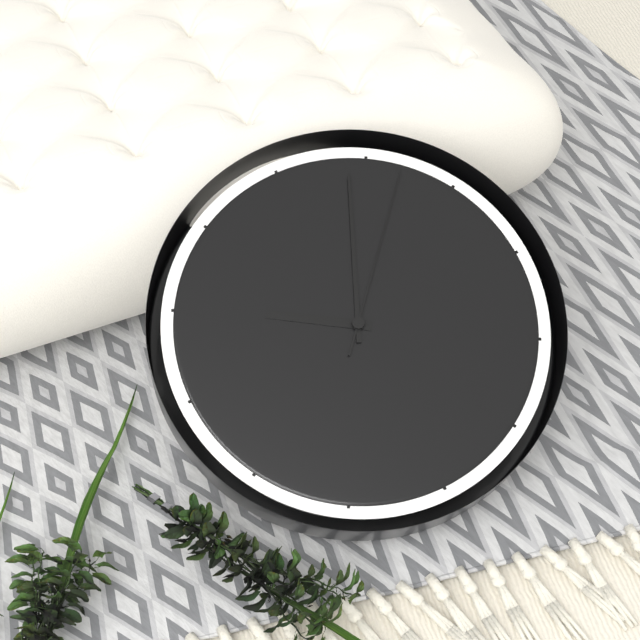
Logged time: 10:04:07
